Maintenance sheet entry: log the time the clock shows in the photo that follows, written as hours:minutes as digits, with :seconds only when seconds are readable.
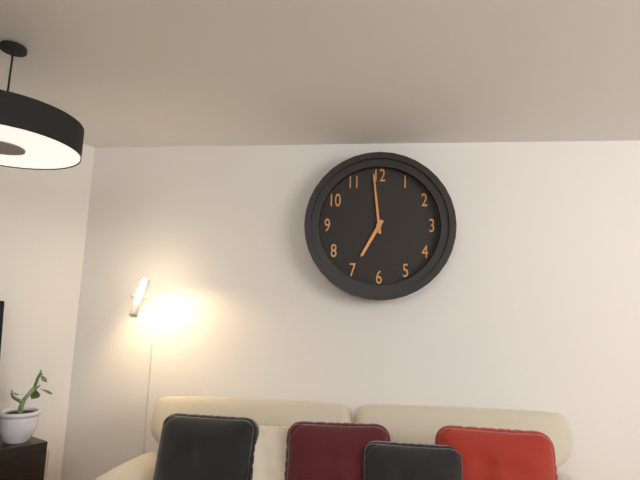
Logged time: 6:59
